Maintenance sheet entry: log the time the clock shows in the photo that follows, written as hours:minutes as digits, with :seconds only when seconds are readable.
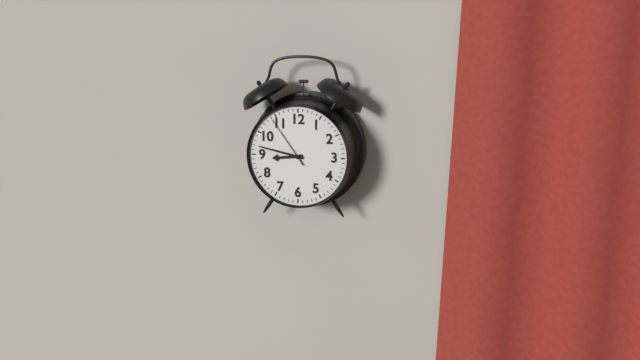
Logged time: 8:47:54
